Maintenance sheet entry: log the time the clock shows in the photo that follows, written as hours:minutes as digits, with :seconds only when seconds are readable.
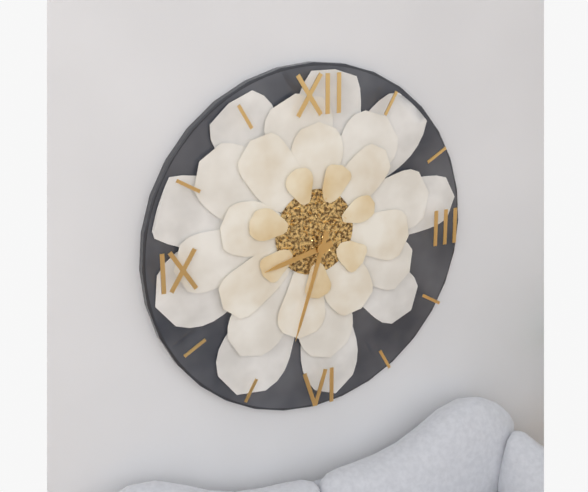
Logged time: 8:33
